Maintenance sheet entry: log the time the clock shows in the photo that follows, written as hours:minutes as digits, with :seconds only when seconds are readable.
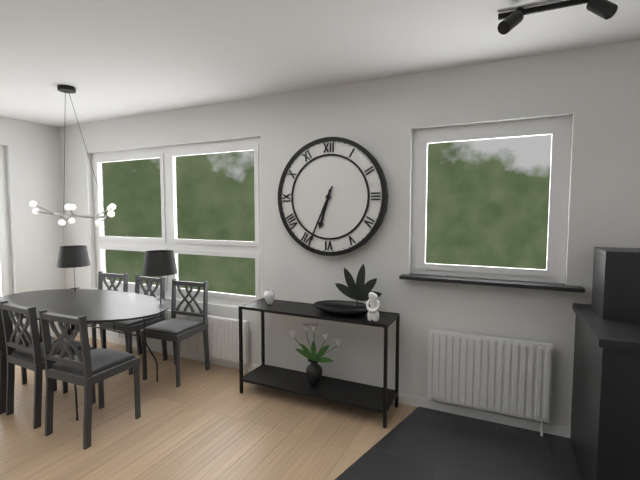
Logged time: 6:34
